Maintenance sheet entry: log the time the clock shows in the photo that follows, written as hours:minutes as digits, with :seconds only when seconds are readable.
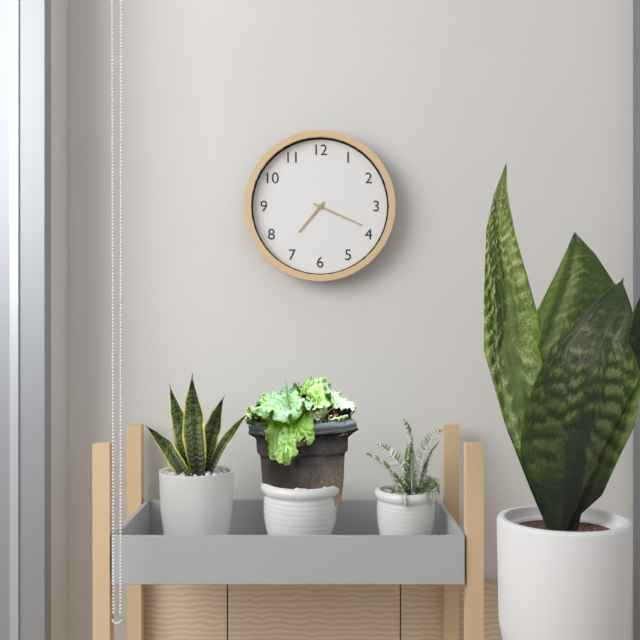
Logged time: 7:19
